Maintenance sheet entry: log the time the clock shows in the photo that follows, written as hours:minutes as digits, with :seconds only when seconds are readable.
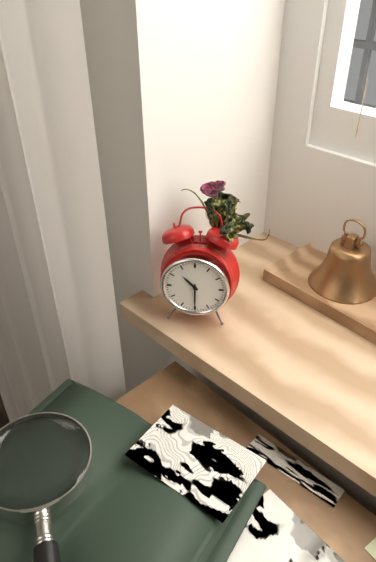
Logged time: 10:30
